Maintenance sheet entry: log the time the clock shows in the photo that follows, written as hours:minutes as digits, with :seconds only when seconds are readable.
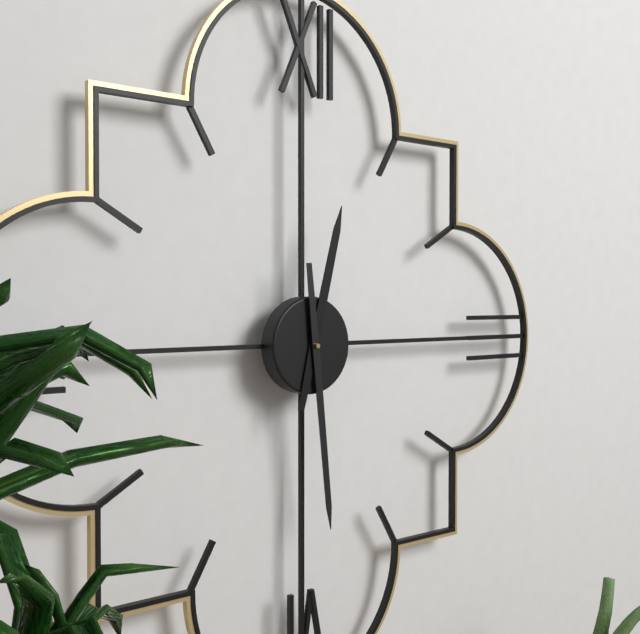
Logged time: 12:29
